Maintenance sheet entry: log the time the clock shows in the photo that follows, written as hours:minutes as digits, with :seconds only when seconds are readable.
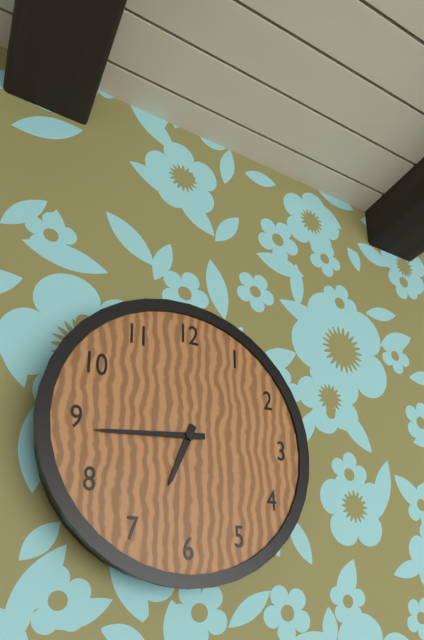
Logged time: 6:44
